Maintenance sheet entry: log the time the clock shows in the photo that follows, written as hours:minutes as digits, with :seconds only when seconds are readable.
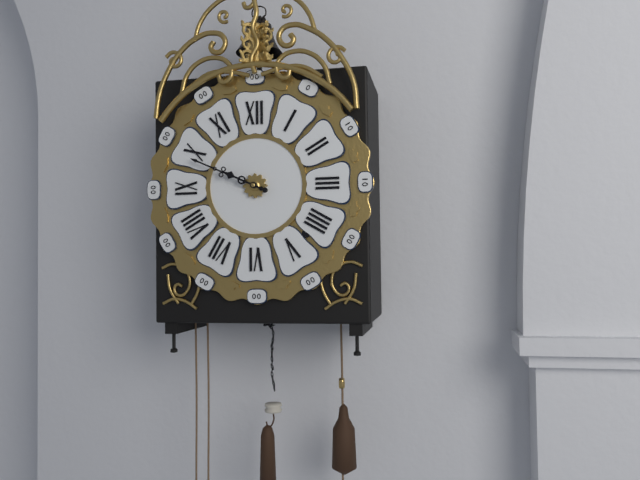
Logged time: 9:49
